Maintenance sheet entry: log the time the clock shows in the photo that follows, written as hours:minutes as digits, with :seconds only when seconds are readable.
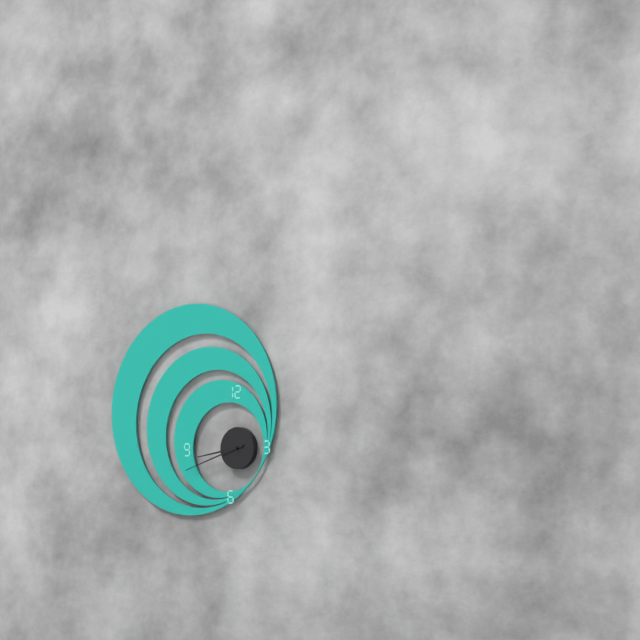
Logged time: 8:42
